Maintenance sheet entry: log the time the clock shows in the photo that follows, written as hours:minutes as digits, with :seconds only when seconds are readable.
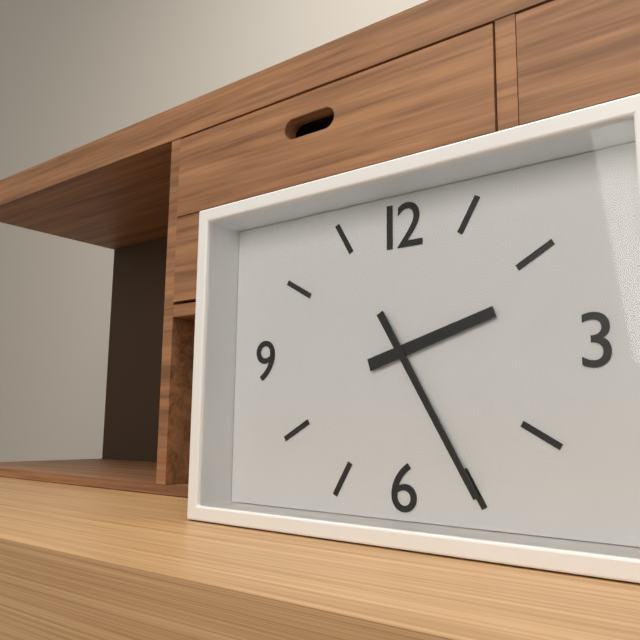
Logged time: 2:25
